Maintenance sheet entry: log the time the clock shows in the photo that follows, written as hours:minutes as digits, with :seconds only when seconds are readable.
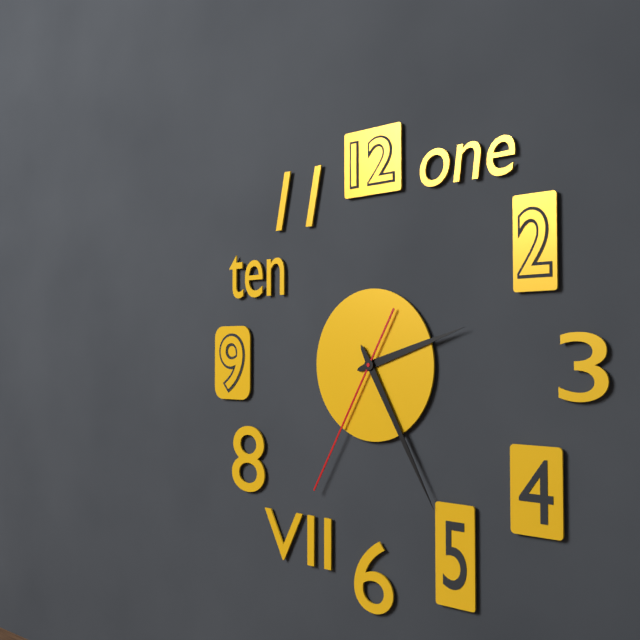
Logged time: 2:25:35
